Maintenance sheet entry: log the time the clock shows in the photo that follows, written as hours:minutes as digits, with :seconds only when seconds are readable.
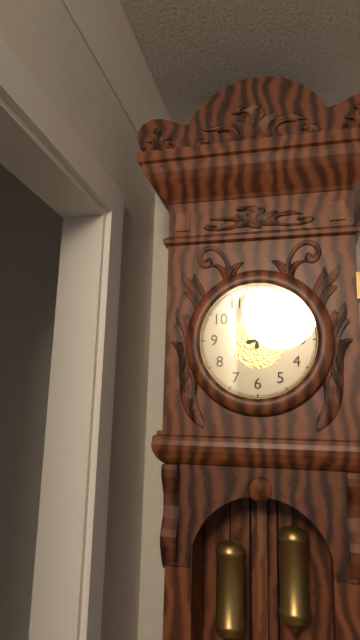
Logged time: 12:13
